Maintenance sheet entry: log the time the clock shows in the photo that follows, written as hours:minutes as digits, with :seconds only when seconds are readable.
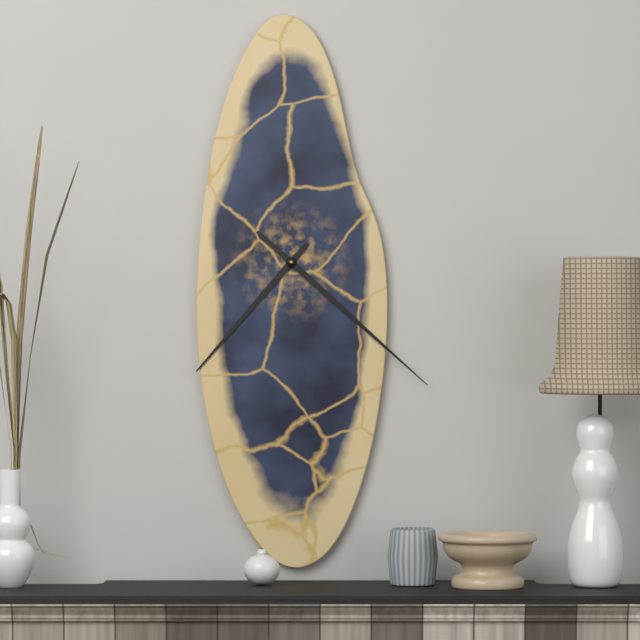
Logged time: 7:22
